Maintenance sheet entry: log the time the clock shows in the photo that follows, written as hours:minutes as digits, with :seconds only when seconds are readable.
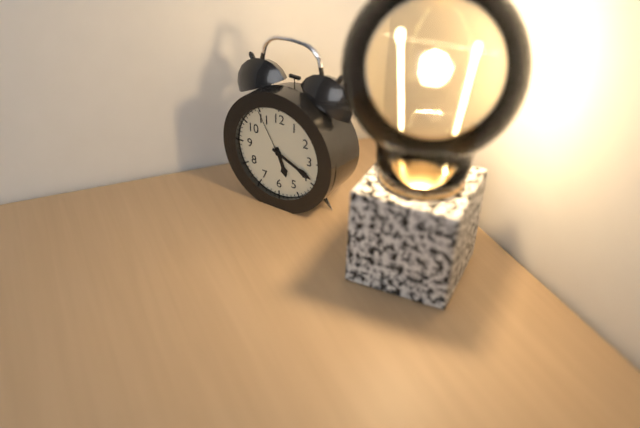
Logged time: 5:19:55
